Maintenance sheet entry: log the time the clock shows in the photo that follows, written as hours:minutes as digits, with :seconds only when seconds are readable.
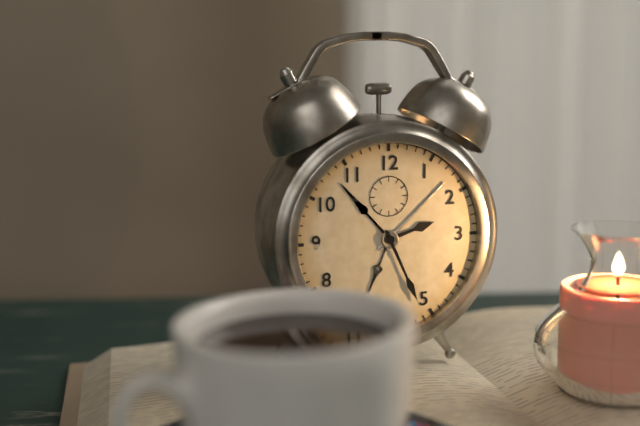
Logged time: 2:26
